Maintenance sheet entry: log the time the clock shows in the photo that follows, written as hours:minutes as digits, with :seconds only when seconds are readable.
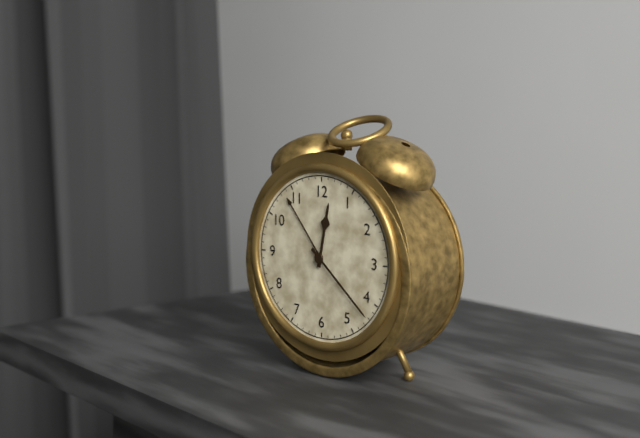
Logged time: 12:22
